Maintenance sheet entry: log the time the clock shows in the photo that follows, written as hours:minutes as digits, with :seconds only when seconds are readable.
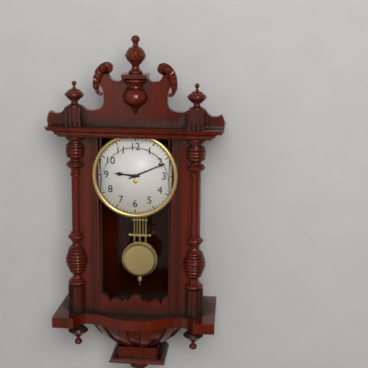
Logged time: 9:11
